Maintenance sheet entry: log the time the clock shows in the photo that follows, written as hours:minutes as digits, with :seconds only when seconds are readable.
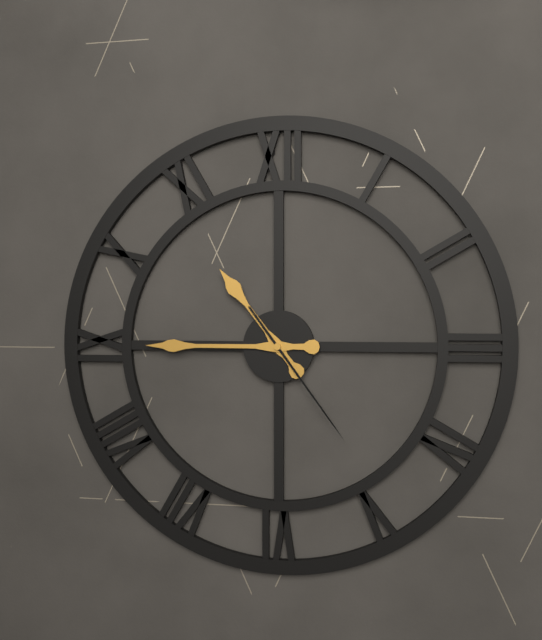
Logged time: 10:45:24
